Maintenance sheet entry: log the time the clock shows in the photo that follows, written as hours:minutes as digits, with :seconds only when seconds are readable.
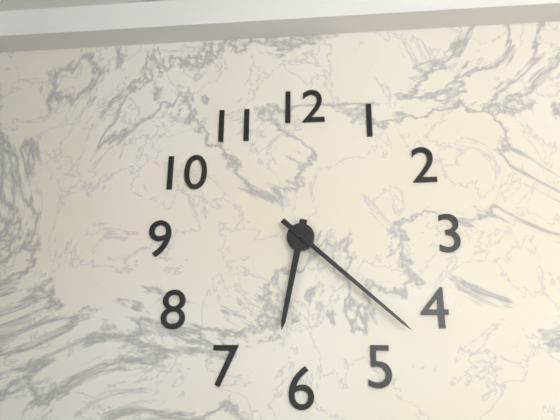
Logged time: 6:22
